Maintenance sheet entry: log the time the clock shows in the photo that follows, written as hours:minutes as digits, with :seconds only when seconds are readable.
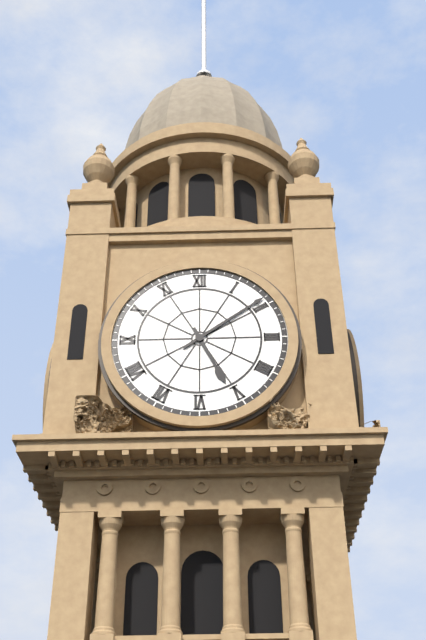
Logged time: 5:09
